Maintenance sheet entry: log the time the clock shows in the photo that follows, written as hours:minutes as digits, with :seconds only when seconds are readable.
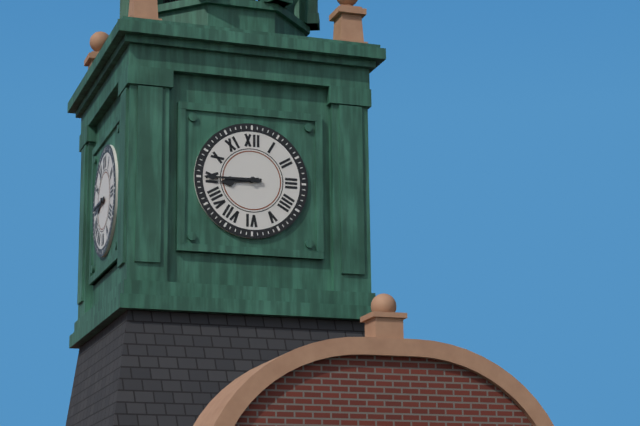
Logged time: 8:45
